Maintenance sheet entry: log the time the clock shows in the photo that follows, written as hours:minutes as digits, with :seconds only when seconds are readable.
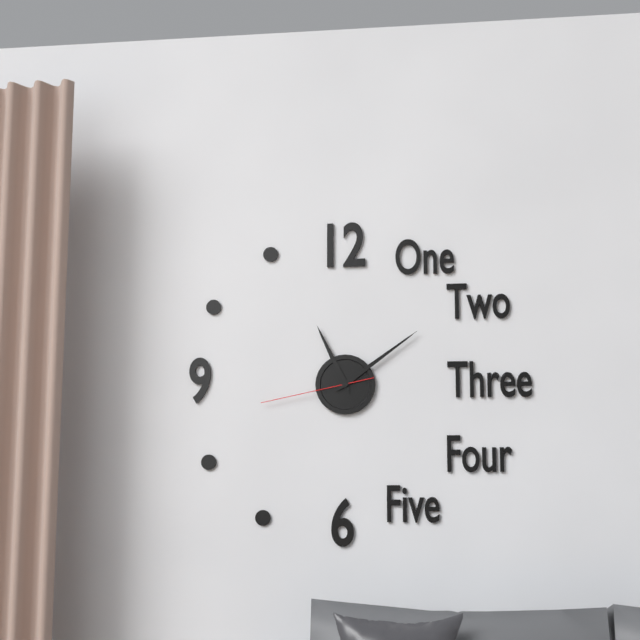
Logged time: 11:09:43
